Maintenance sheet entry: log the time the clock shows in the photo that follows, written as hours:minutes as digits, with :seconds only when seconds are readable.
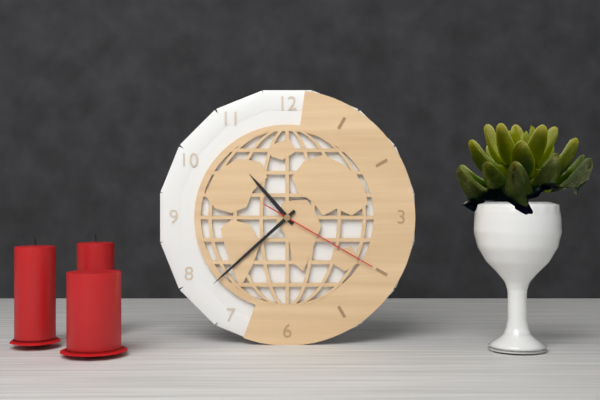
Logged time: 10:38:20
